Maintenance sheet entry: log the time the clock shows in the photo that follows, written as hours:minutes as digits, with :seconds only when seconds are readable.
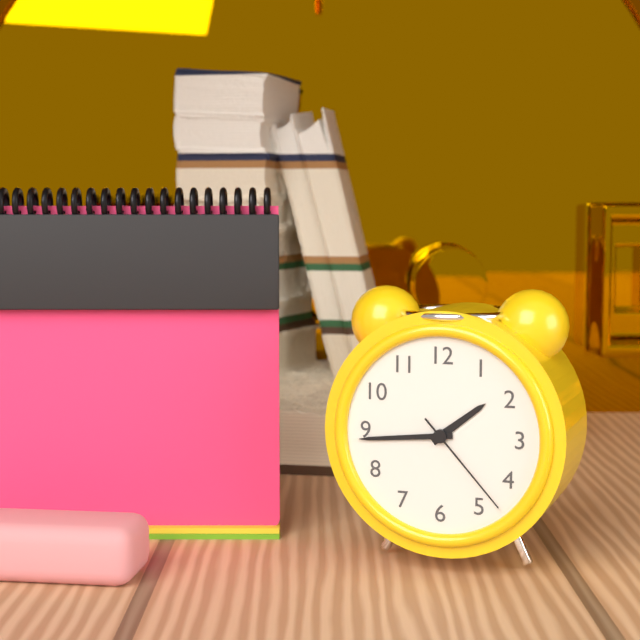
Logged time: 1:44:23
